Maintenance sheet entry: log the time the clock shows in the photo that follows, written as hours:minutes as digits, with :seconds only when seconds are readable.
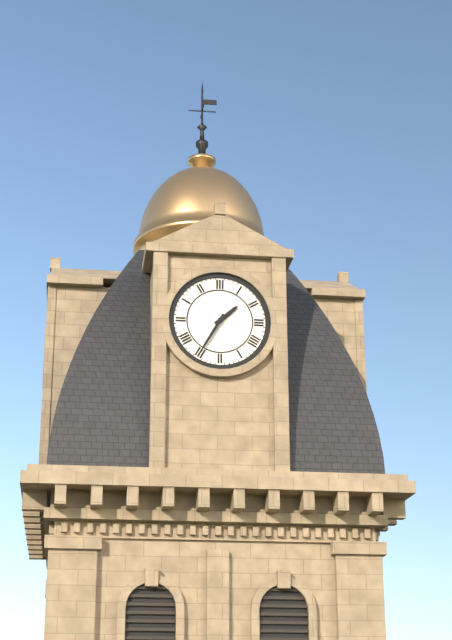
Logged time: 1:35
